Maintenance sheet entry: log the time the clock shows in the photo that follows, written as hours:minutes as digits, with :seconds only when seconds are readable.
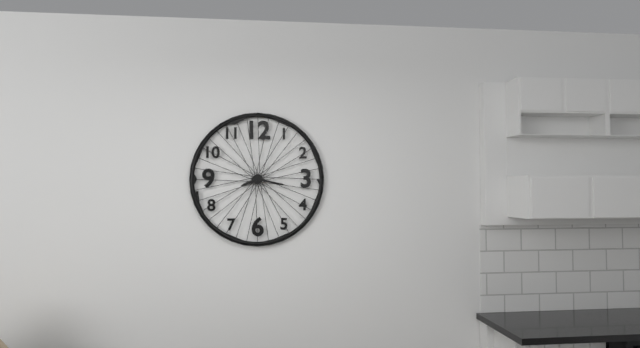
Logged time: 8:17
